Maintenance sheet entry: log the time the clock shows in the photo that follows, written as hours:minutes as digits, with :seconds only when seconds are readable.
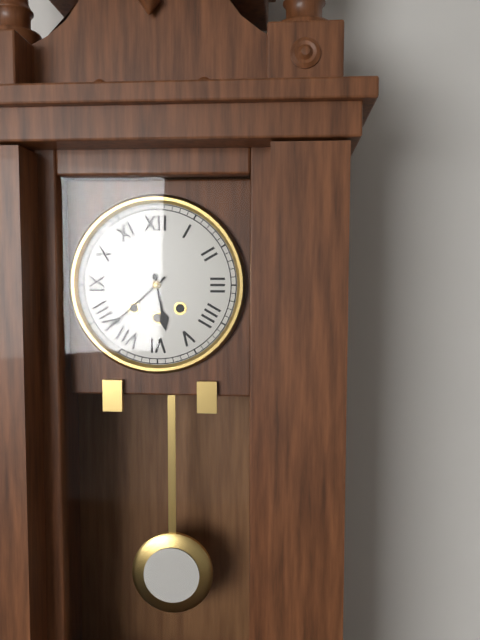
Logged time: 5:38
